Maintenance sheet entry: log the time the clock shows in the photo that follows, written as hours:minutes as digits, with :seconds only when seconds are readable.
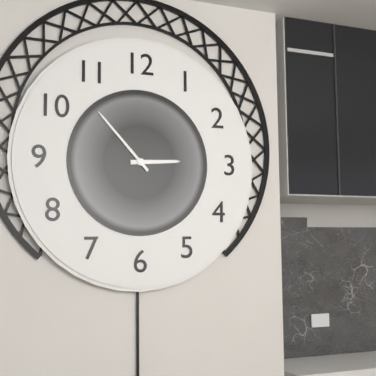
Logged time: 2:53
